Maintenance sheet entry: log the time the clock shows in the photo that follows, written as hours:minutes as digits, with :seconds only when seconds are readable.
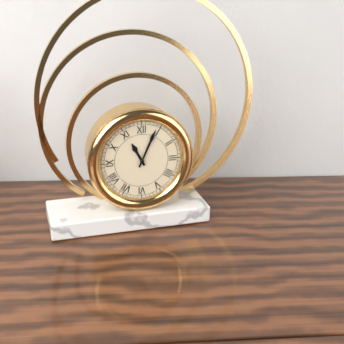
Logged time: 11:04
